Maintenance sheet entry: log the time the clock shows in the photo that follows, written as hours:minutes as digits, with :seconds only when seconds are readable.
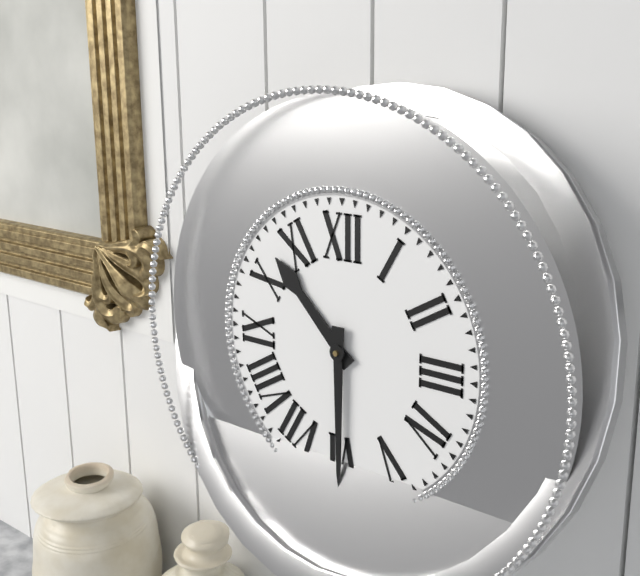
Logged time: 10:30
